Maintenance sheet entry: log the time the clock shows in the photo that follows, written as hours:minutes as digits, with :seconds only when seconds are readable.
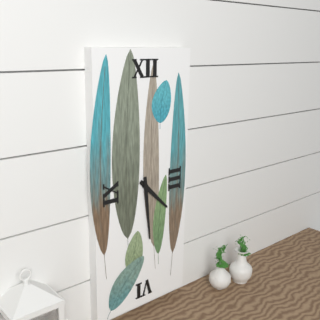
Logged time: 4:29
